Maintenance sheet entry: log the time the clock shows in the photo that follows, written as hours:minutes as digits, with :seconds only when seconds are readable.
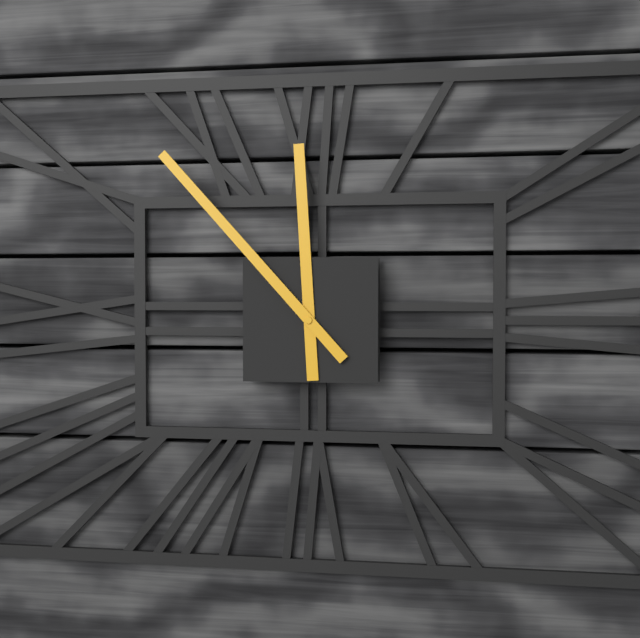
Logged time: 11:53
